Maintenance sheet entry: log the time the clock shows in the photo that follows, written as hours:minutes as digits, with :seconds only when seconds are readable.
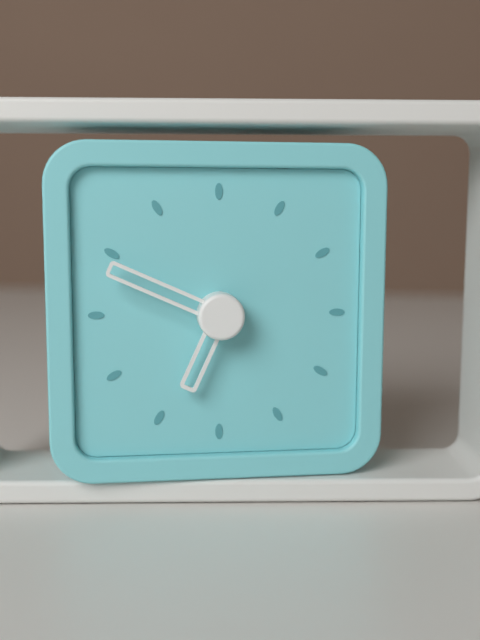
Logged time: 6:49
